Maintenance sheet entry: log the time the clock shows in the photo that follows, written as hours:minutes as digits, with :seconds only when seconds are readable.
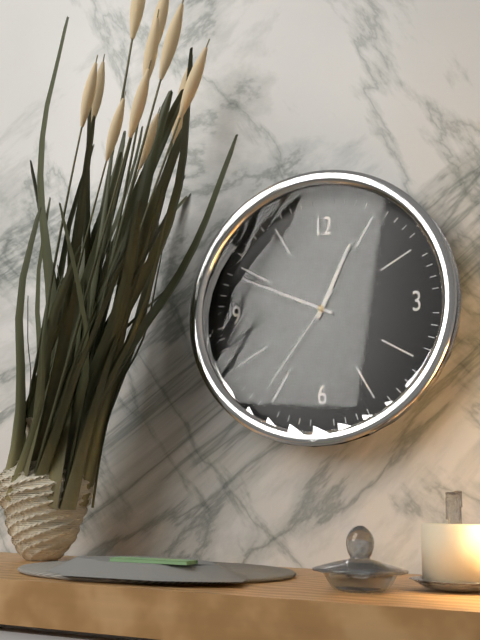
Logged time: 12:49:36
